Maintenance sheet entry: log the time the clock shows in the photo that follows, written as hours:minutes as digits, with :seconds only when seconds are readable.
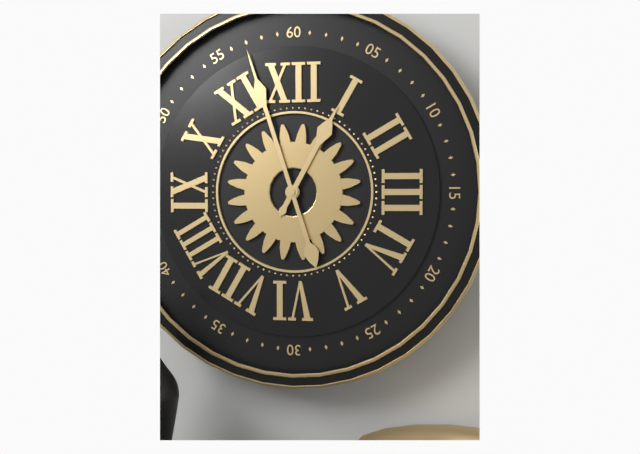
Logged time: 12:57
